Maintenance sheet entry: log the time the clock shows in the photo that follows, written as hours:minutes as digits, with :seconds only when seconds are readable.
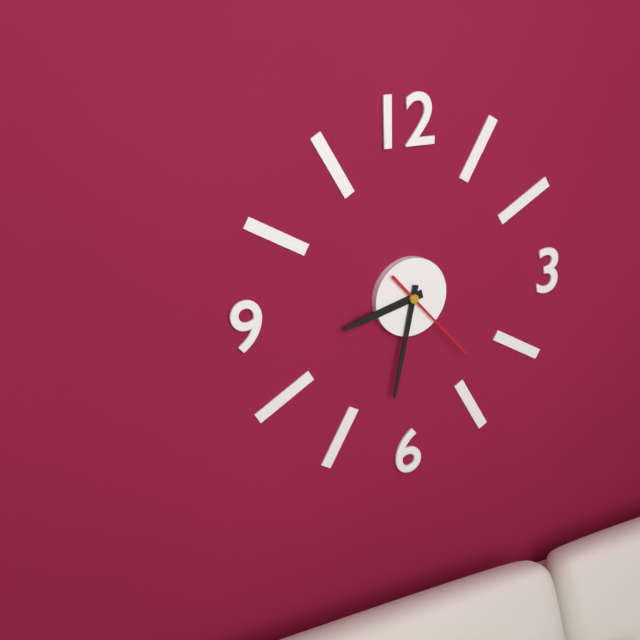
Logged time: 8:32:23
